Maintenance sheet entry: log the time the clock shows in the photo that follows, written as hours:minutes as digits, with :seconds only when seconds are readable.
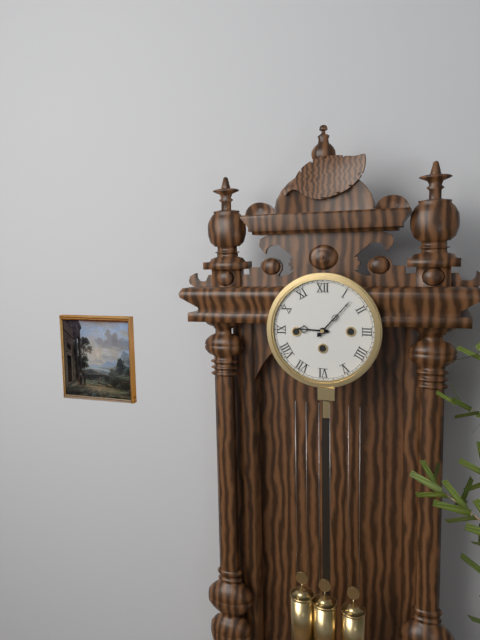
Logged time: 9:07
